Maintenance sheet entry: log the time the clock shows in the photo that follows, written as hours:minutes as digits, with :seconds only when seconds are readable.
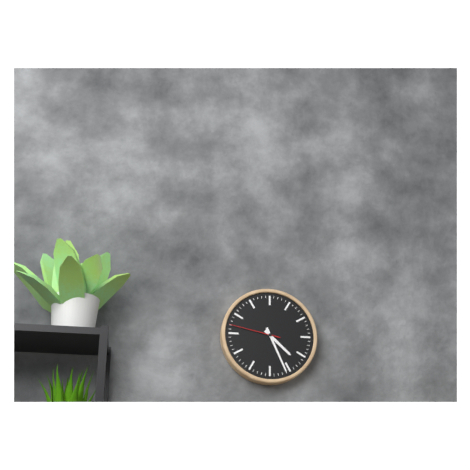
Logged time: 4:26:47
